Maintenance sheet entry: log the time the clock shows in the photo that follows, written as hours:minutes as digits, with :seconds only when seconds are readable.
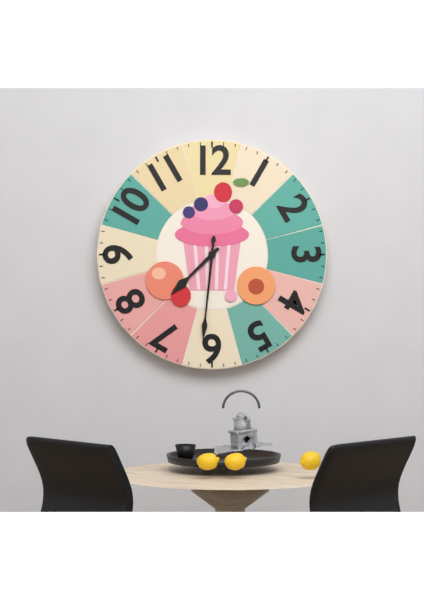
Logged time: 7:31
